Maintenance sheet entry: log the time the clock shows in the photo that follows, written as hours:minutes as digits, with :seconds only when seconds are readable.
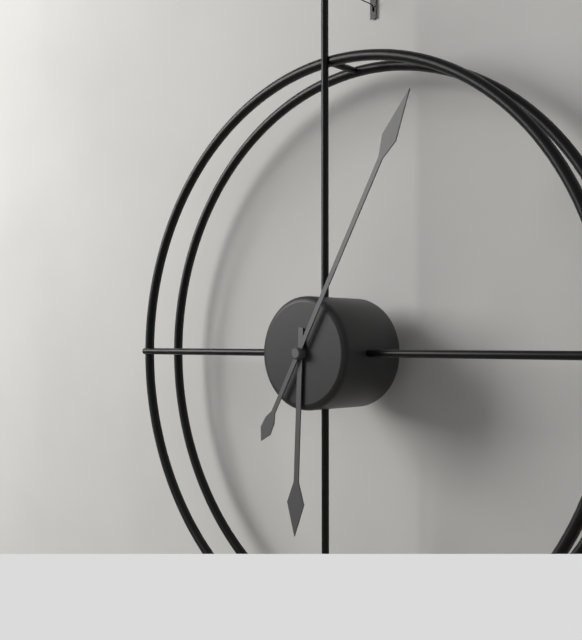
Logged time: 6:05
